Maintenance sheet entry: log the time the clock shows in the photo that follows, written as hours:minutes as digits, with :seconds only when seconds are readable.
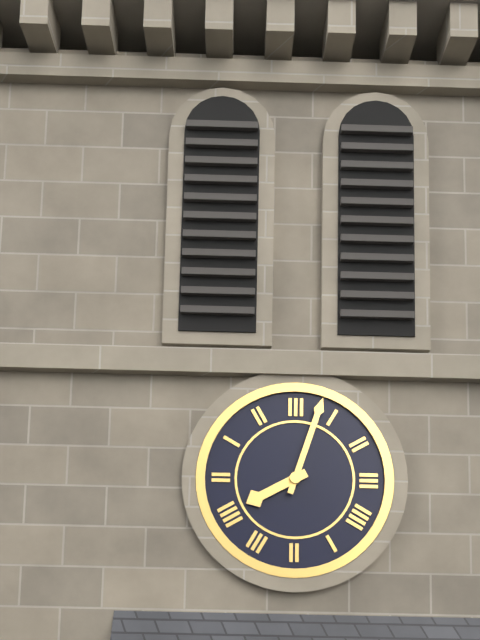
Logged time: 8:03
